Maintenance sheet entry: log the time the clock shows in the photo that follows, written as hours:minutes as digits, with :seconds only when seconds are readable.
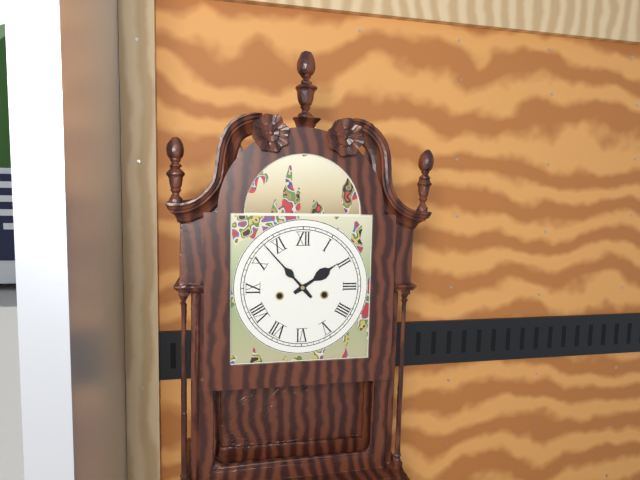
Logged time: 1:53
